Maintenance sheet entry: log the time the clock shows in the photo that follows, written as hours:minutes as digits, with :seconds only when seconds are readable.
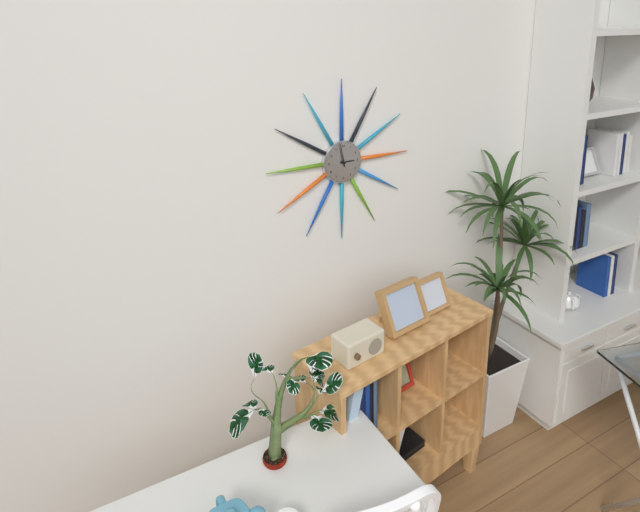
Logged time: 2:58
